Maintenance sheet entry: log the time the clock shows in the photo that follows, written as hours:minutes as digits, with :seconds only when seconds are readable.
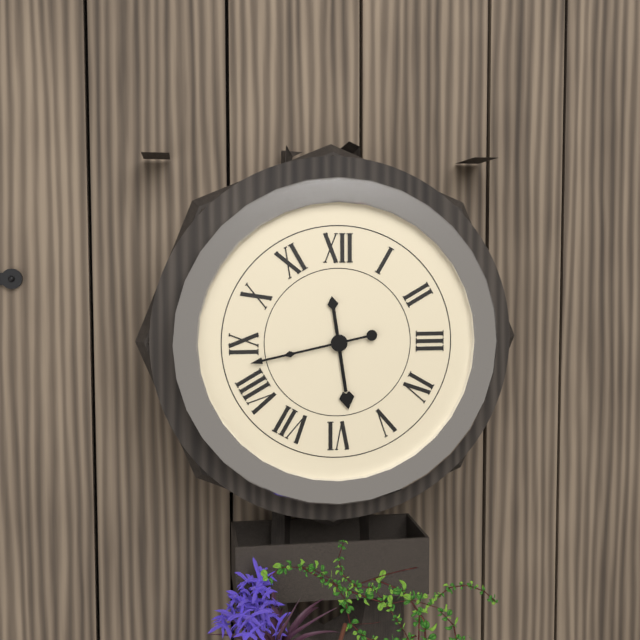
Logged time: 5:43
